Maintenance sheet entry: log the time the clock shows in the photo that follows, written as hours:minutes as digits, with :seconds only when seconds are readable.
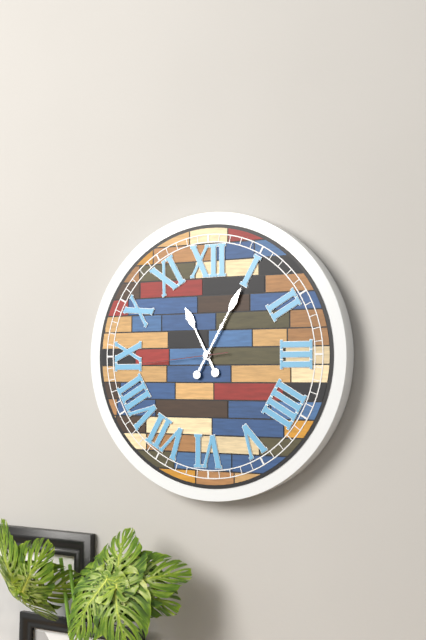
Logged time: 11:05:44
